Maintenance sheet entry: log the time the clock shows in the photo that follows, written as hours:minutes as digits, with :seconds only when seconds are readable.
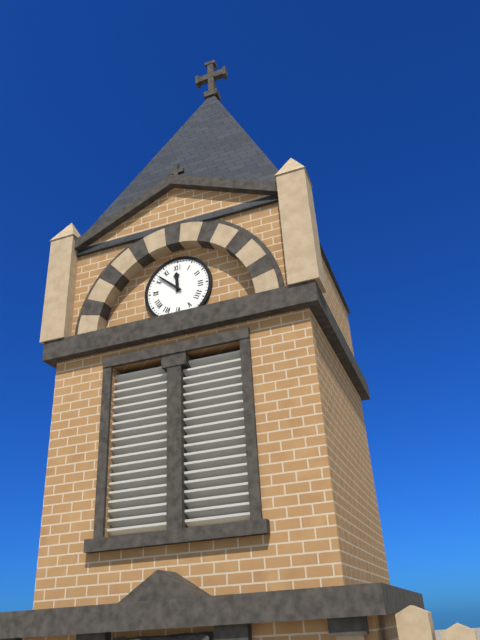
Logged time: 11:52
